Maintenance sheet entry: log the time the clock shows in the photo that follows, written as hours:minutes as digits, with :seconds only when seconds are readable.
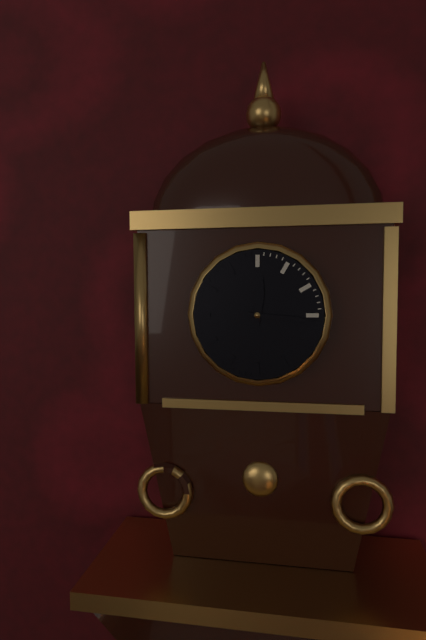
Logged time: 12:16
